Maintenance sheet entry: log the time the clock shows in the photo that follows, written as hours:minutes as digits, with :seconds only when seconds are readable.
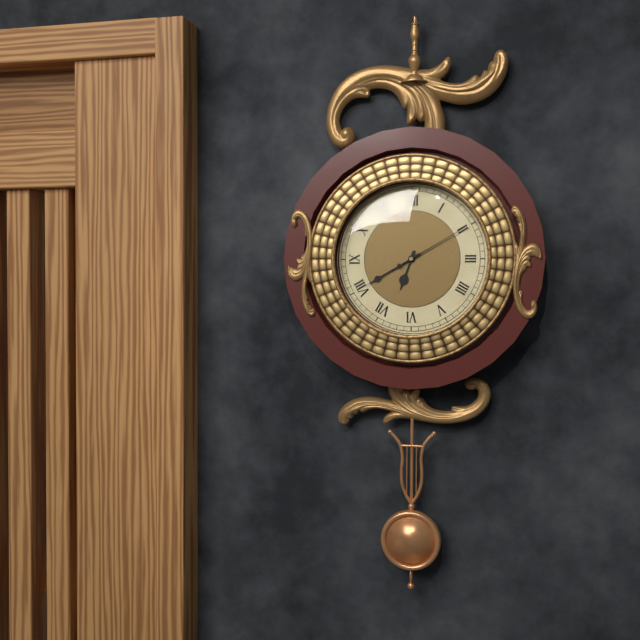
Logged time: 6:40:10
